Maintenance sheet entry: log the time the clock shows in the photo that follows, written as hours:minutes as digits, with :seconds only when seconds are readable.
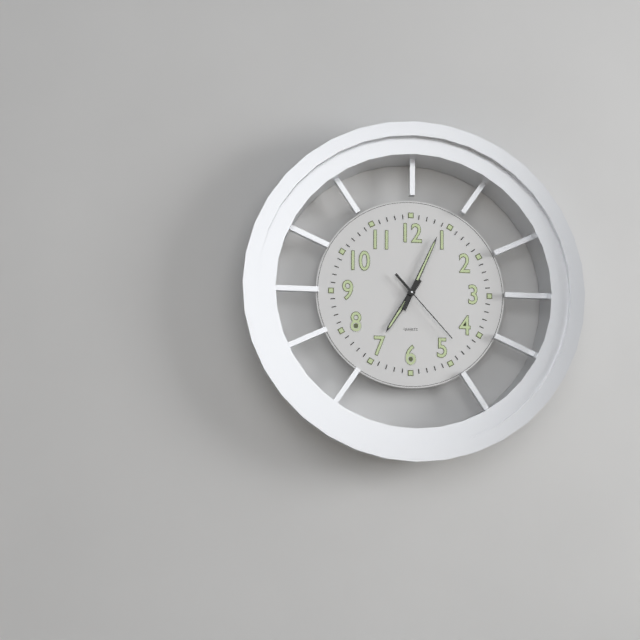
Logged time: 7:04:23
